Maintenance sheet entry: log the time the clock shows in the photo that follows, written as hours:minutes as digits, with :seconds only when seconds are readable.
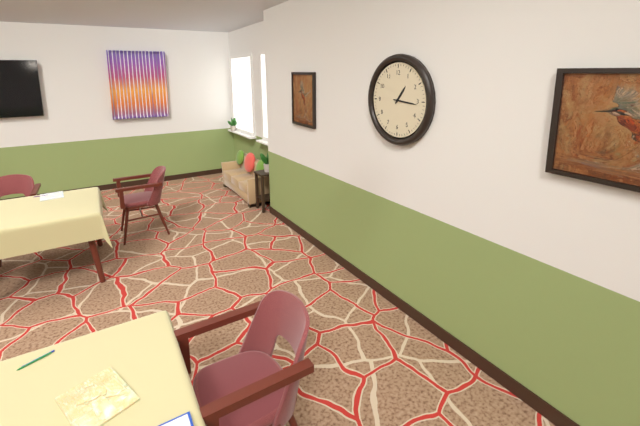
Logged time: 1:16
